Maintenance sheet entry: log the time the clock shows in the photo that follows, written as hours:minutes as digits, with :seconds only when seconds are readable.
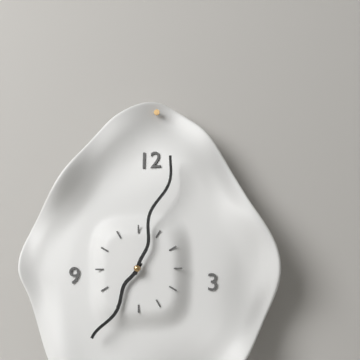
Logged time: 7:03
